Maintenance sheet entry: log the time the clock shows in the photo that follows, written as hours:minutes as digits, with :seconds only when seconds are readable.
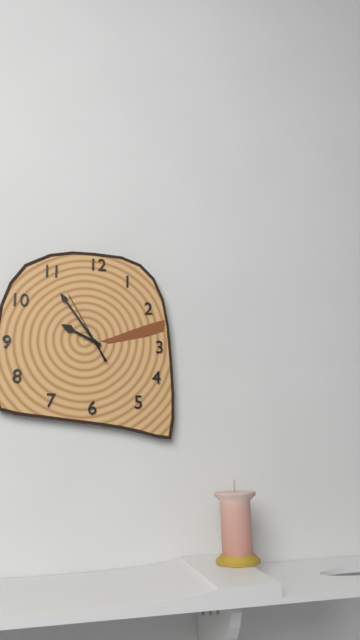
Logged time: 9:54:55
